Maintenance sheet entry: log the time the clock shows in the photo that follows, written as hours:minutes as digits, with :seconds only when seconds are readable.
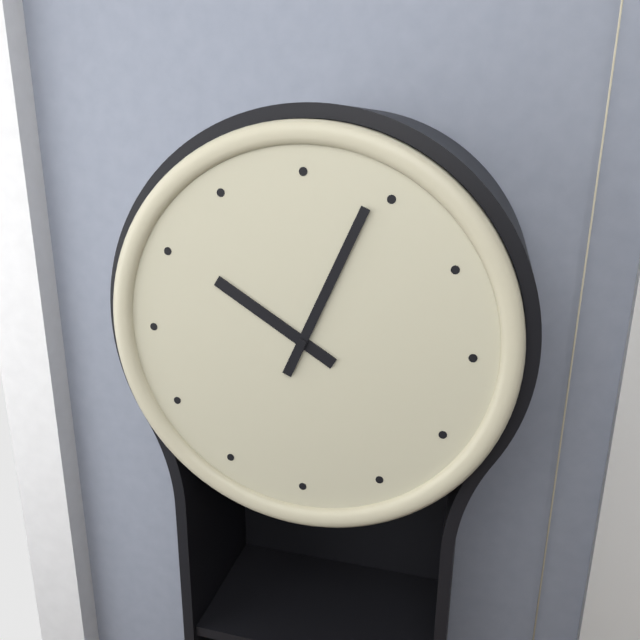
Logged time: 10:04
